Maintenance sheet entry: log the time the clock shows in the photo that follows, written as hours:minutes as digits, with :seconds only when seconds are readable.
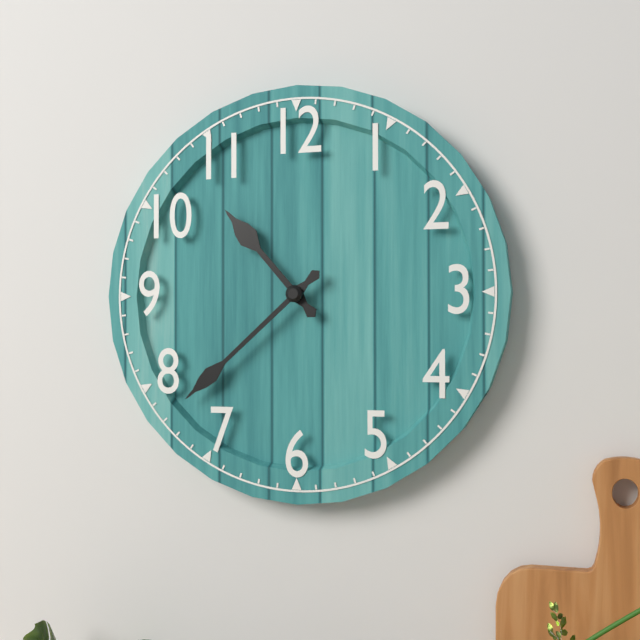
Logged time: 10:38
